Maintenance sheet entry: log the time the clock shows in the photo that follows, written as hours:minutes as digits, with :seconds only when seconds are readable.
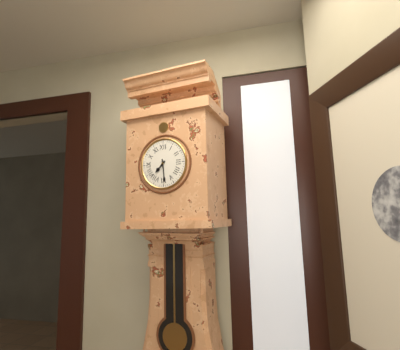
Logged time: 7:29
